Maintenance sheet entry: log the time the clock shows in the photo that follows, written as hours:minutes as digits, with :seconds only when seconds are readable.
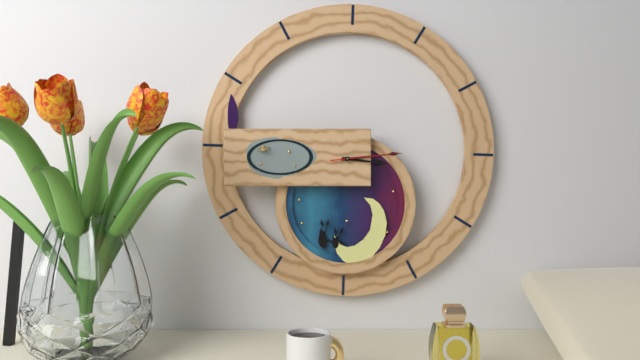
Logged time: 3:14:14
